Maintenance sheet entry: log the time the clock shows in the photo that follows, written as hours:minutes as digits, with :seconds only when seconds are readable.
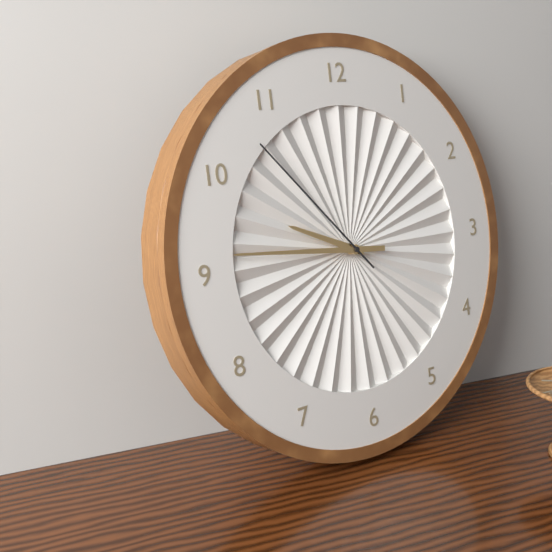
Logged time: 9:46:53
